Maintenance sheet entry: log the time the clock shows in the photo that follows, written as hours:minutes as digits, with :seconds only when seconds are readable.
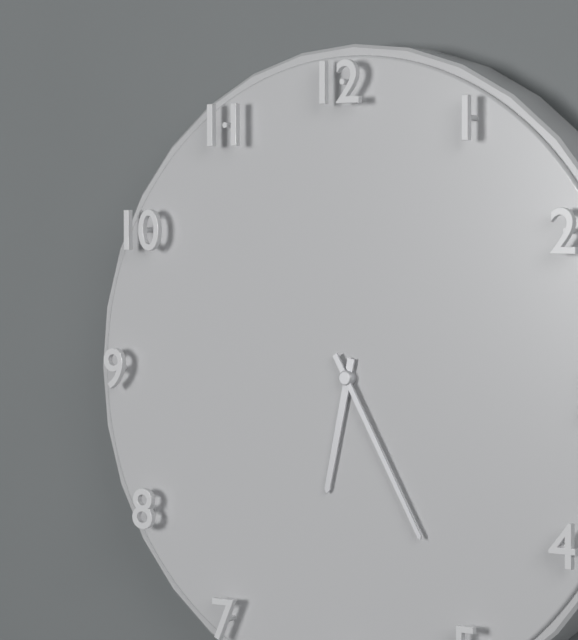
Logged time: 6:25
